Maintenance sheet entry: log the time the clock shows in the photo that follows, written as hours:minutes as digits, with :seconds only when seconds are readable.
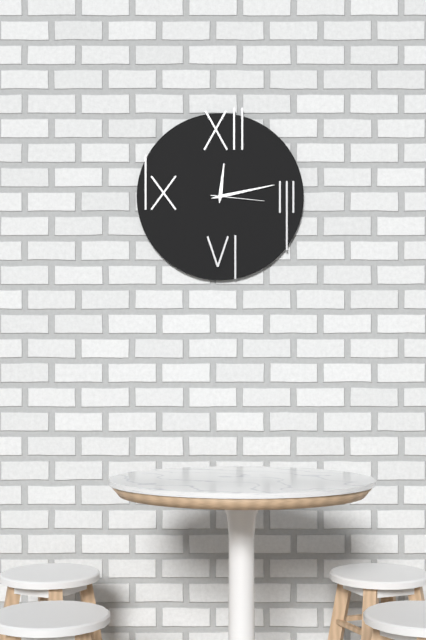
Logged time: 12:13:16
